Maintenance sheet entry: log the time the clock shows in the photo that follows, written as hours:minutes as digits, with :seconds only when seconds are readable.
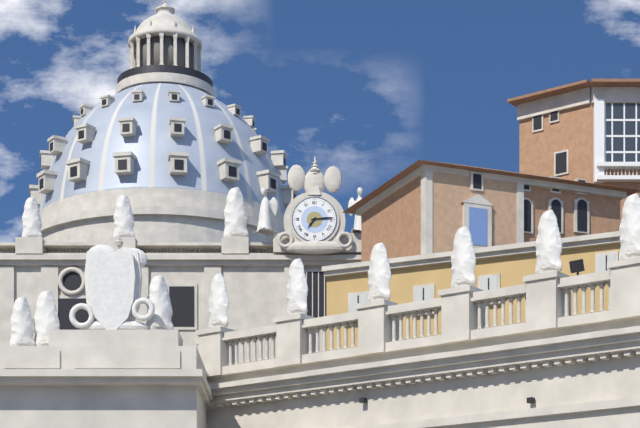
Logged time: 7:14
